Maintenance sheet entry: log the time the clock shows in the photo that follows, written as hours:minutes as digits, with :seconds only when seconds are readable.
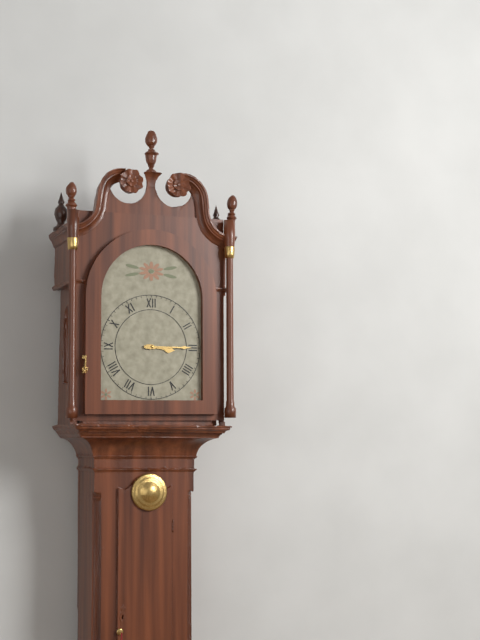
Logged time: 3:15
